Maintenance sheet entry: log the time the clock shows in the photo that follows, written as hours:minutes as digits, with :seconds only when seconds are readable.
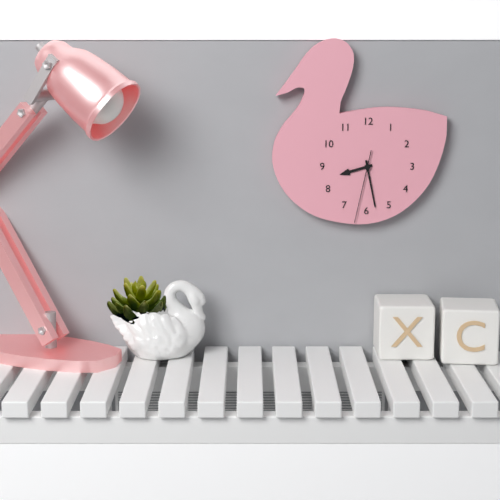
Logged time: 8:28:32
